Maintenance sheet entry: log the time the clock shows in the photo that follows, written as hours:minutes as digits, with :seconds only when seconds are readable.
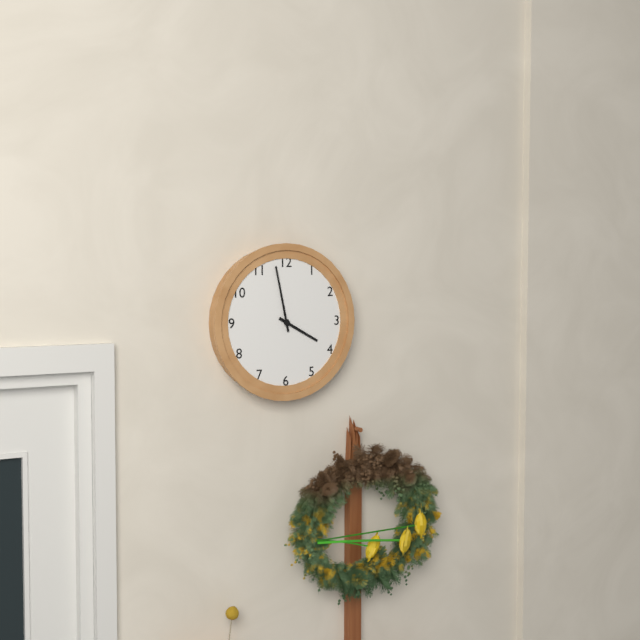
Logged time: 3:58
